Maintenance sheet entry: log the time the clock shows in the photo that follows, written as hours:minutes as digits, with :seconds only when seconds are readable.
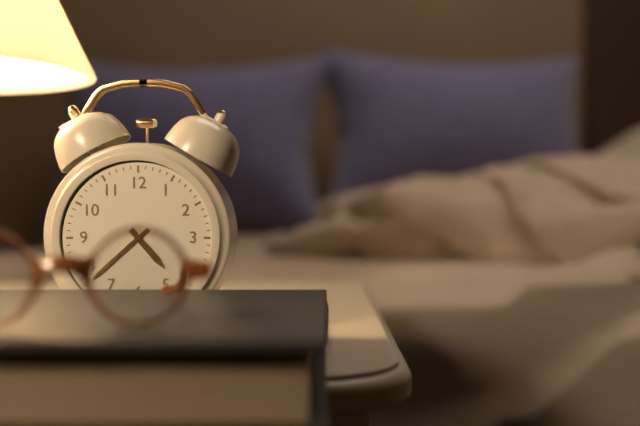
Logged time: 4:38
